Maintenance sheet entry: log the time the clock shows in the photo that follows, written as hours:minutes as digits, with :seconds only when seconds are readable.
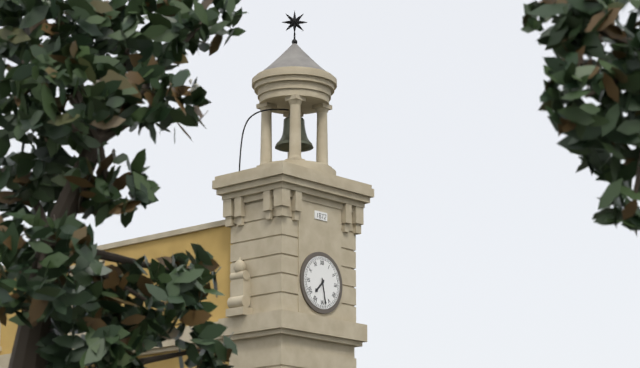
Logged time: 7:28
